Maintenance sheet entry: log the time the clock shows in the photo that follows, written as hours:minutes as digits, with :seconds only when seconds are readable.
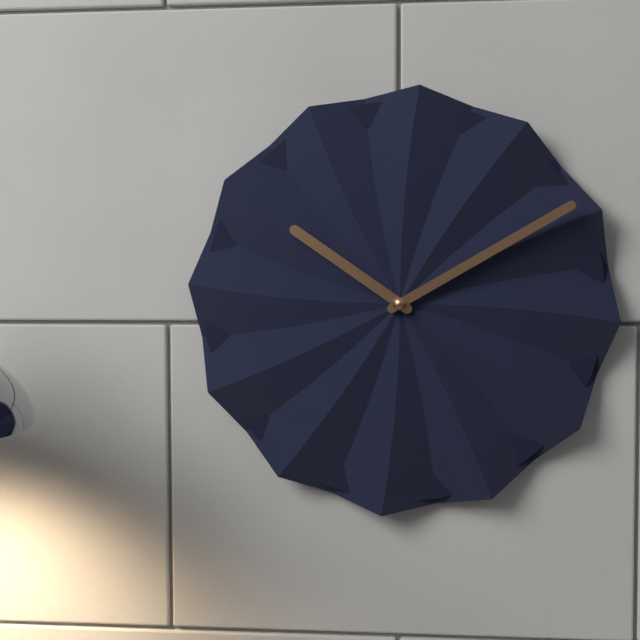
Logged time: 10:10
